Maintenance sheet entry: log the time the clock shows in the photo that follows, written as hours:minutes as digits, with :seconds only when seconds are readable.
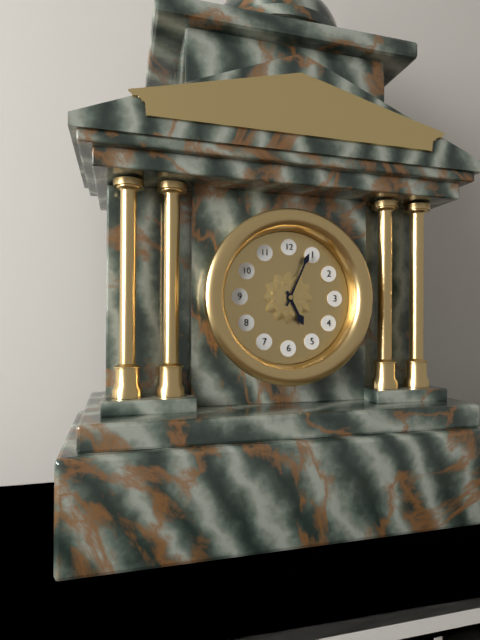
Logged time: 5:04
